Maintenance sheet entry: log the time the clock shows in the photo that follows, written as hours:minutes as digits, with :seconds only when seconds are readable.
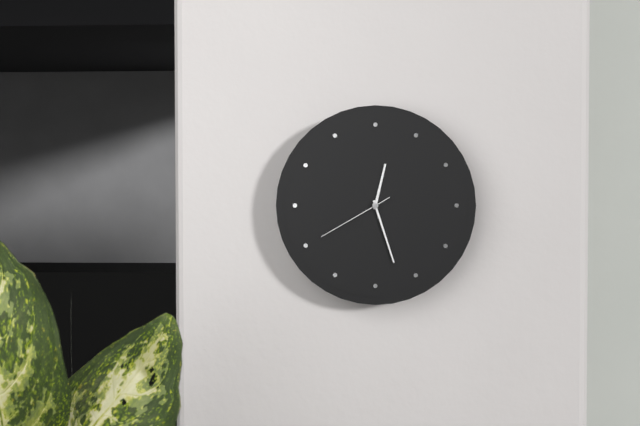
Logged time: 12:27:40
